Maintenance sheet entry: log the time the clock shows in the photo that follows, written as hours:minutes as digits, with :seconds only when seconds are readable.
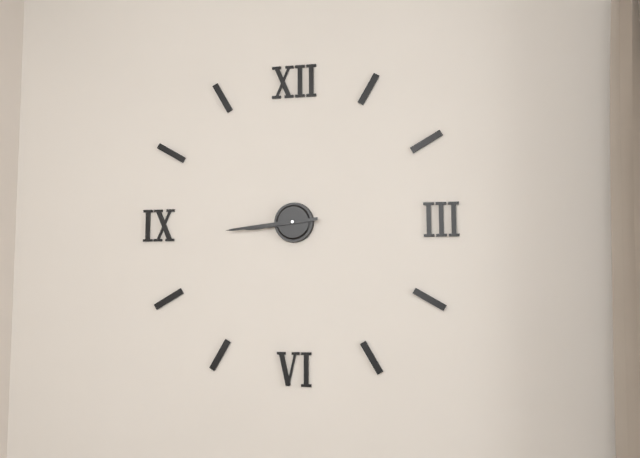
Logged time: 8:44
